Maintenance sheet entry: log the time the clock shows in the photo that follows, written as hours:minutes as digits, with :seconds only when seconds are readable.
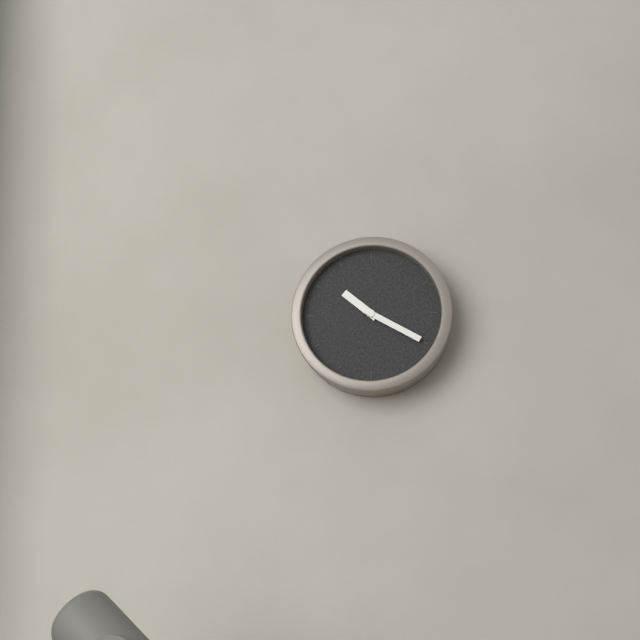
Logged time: 10:20
